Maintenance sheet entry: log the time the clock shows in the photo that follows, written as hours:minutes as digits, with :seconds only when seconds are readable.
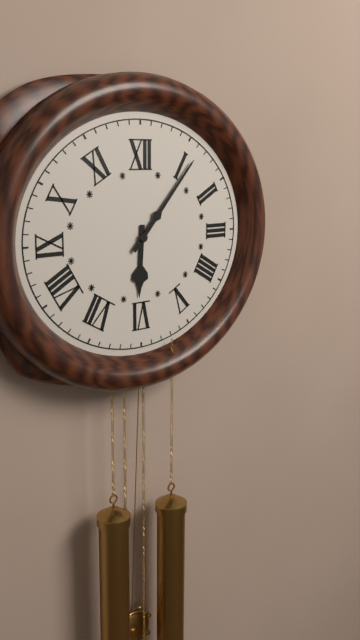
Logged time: 6:07
